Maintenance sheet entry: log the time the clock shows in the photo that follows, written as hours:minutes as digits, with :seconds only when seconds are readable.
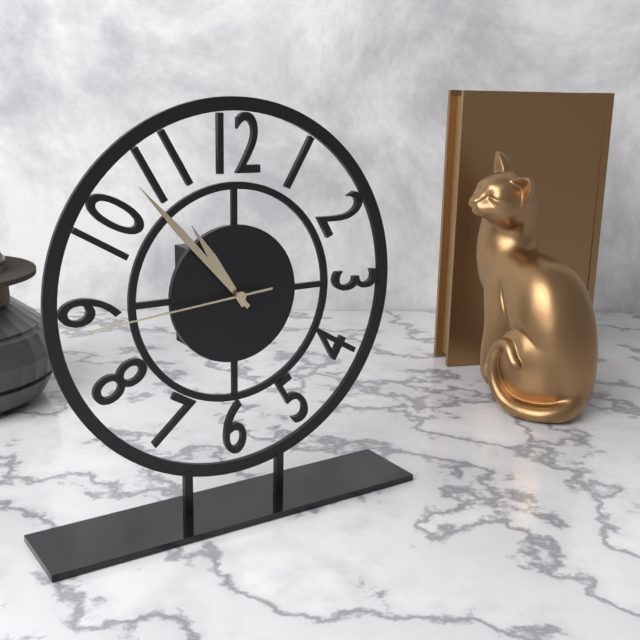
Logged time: 10:53:44
